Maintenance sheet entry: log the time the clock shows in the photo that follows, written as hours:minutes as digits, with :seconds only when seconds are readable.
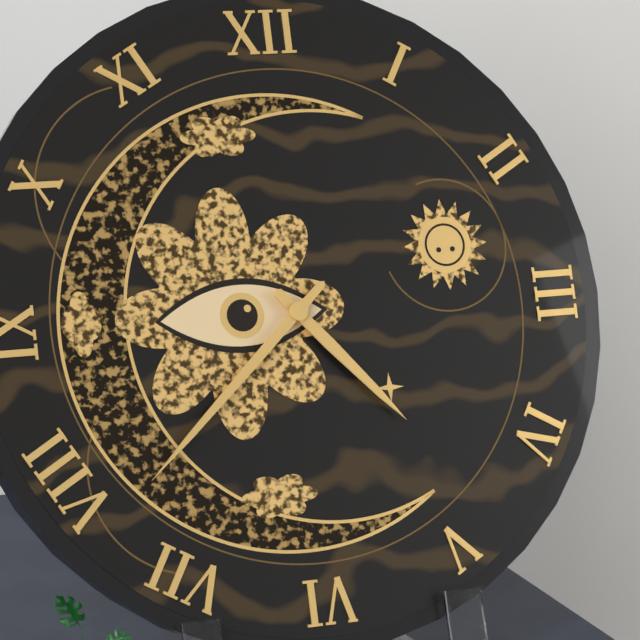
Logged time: 4:38
